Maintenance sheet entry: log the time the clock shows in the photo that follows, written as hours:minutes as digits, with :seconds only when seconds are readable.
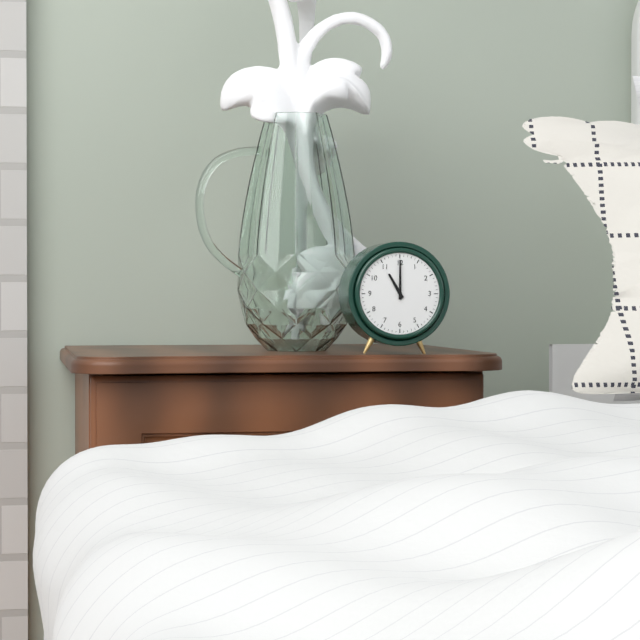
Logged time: 11:00
